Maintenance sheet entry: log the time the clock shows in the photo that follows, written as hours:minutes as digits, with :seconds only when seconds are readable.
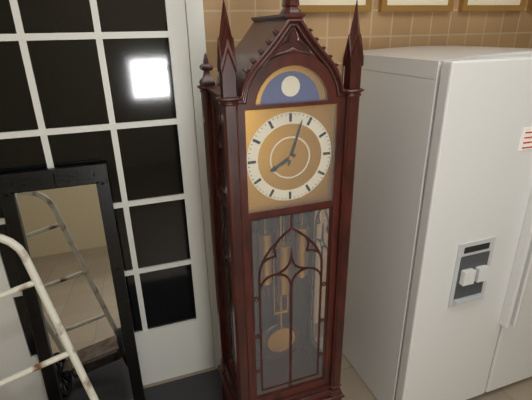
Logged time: 8:03
